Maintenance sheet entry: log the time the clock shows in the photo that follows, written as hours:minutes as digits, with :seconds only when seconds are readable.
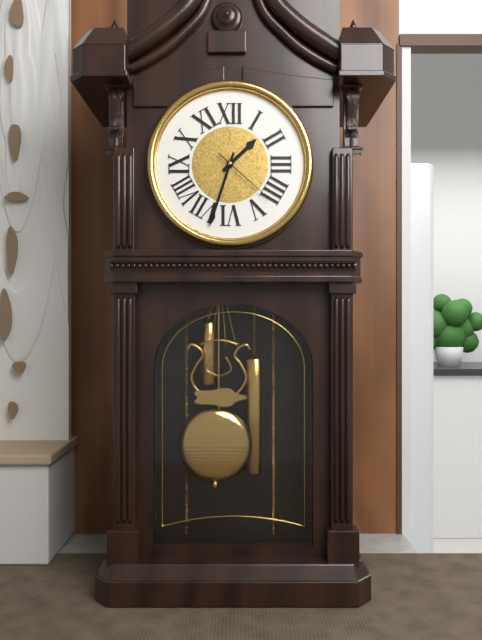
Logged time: 1:33:22
